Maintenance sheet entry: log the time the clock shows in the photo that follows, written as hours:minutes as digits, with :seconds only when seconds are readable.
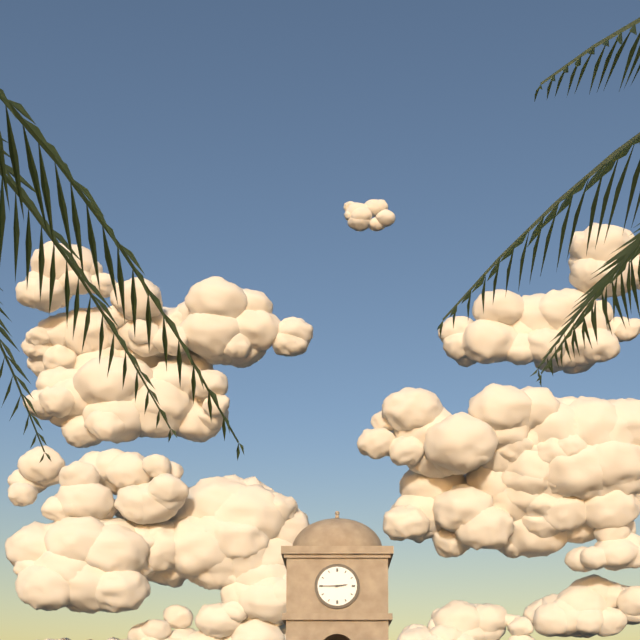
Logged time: 2:45
